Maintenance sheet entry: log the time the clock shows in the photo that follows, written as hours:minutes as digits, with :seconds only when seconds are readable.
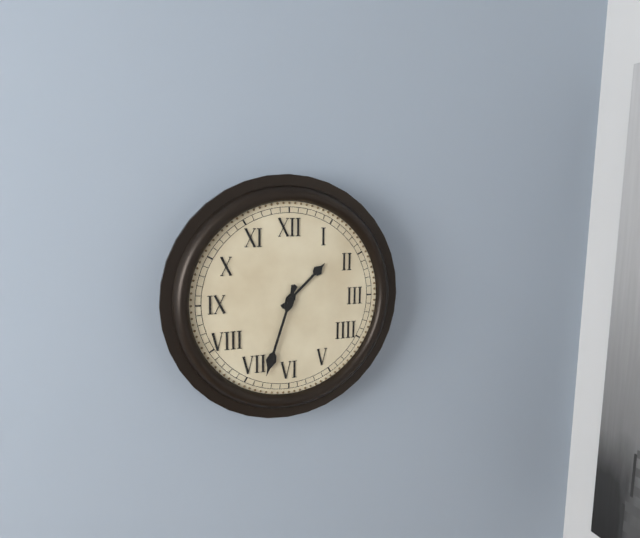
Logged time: 1:33
